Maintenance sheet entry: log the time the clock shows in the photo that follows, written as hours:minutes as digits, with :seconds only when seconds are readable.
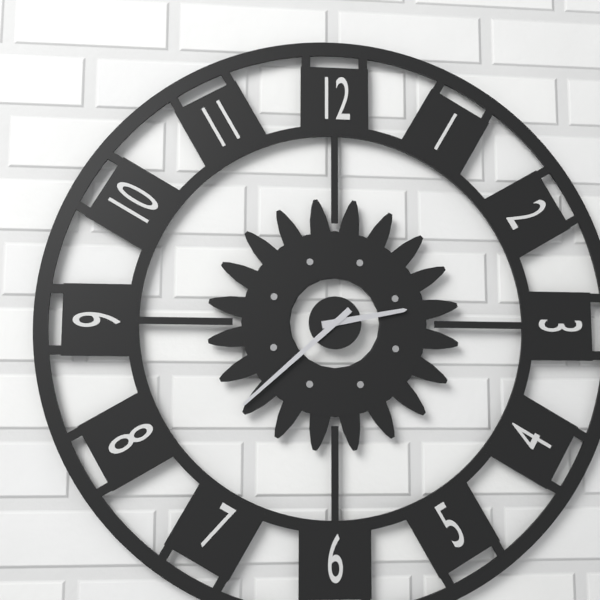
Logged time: 2:38
